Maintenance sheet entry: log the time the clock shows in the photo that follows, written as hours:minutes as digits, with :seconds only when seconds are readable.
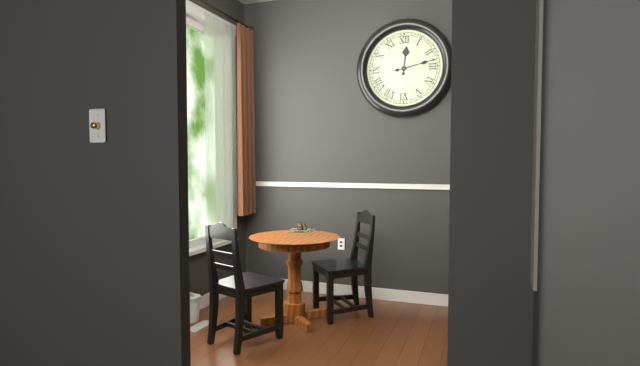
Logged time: 12:13
